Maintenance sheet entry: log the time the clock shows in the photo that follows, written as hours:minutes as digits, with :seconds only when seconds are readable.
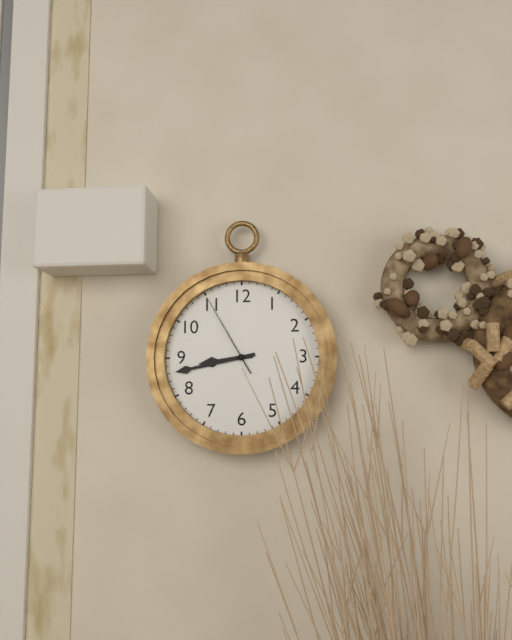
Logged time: 8:43:55
